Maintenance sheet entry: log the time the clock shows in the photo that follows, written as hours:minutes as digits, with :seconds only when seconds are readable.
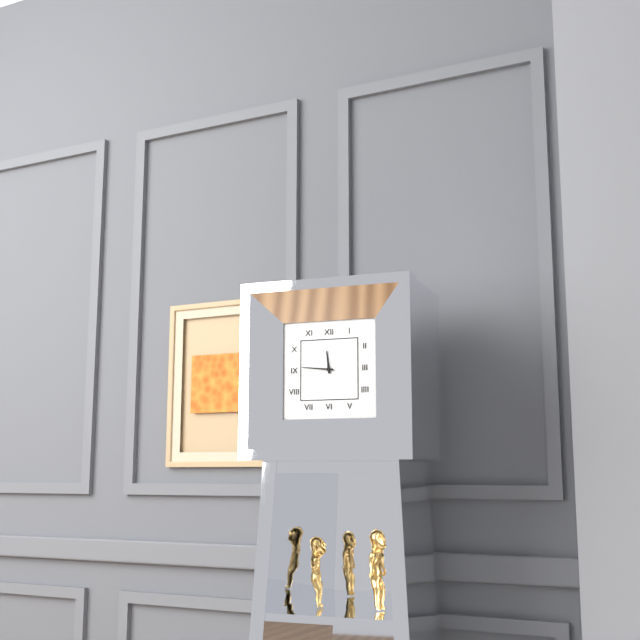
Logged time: 11:46
